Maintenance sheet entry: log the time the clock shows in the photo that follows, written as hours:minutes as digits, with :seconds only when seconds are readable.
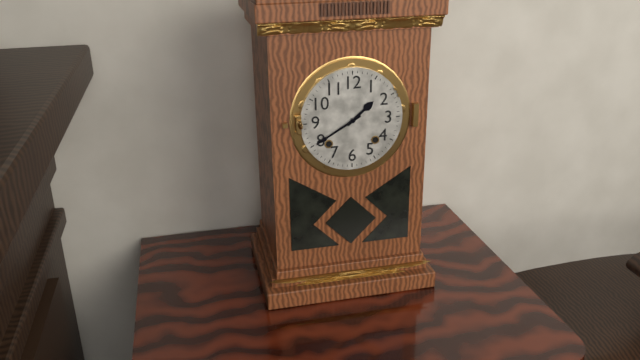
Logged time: 1:40
